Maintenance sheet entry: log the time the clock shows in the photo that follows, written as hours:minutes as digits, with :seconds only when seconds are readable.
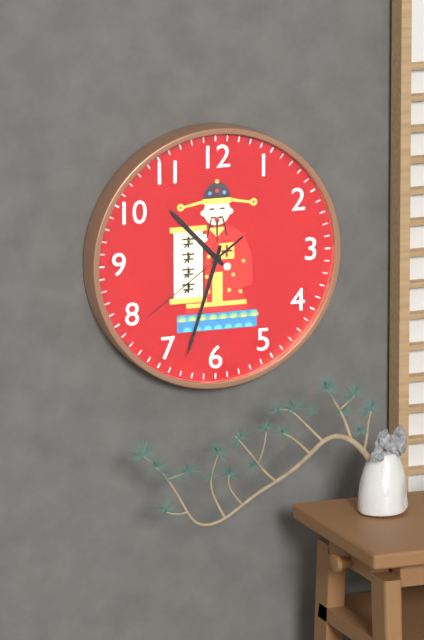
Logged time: 10:33:39
